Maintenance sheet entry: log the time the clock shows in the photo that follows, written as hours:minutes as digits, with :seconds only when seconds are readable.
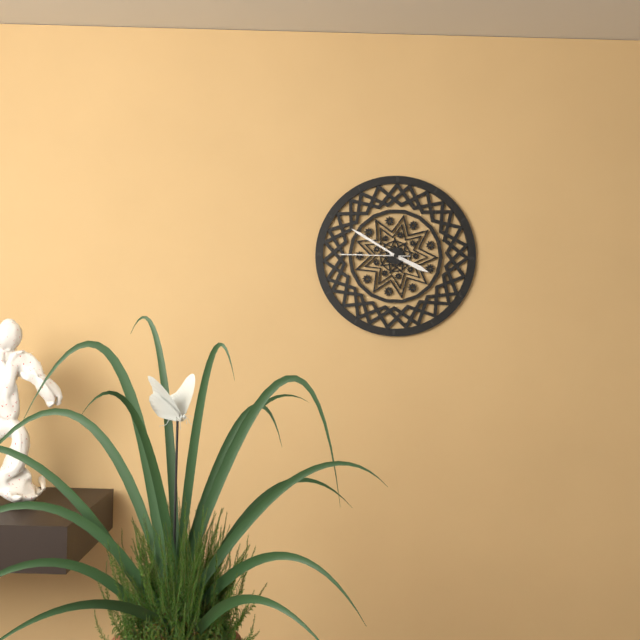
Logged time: 3:50:45
